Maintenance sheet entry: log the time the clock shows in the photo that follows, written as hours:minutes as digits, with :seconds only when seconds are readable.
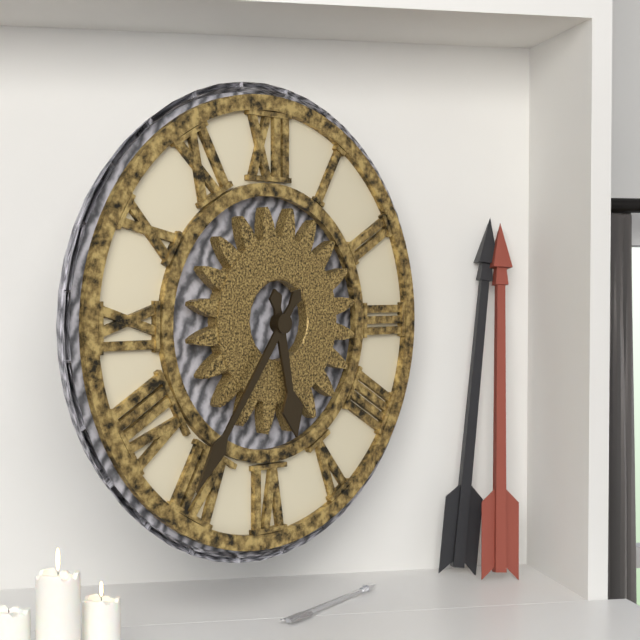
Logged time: 5:36
